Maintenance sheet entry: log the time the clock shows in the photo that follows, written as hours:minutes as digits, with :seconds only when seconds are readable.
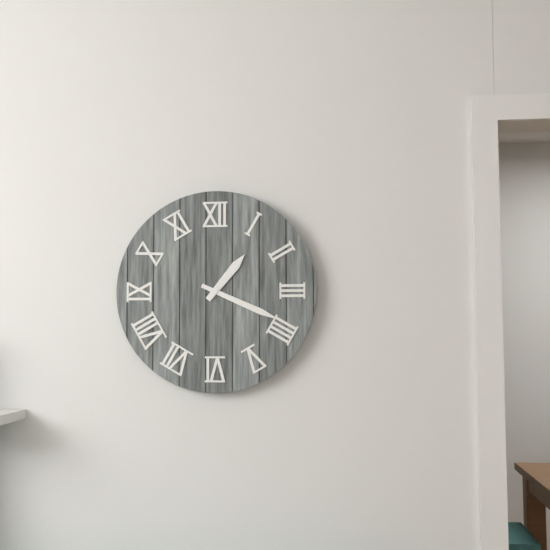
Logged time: 1:19
